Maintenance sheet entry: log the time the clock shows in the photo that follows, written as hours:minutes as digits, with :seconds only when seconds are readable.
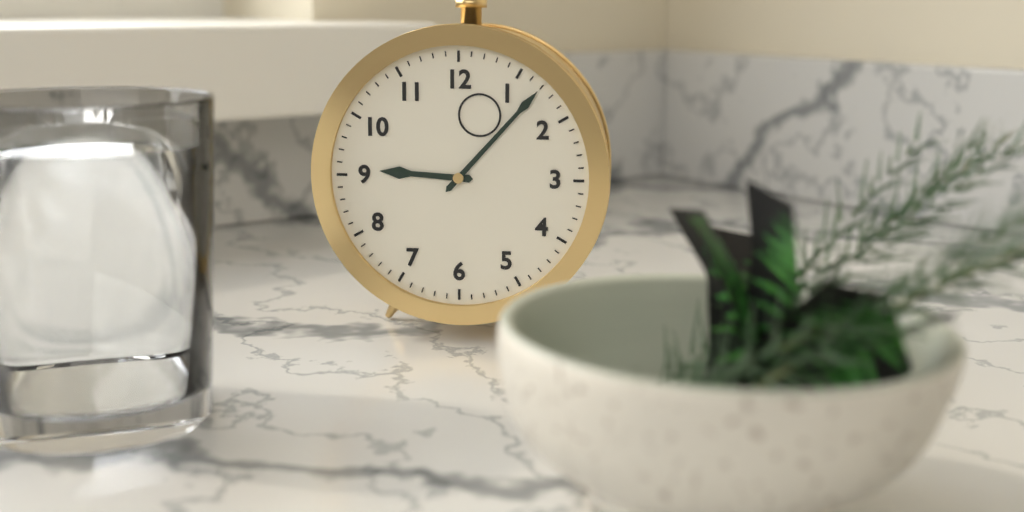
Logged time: 9:07
